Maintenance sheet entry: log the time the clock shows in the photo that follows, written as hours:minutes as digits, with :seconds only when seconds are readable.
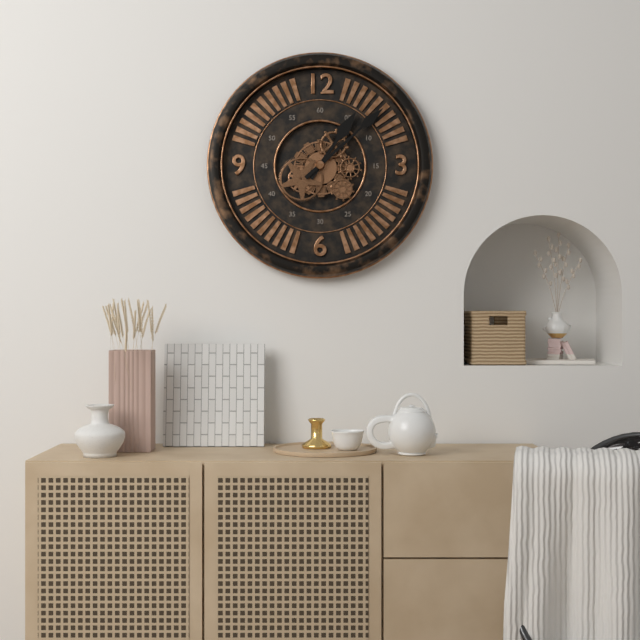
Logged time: 1:08
